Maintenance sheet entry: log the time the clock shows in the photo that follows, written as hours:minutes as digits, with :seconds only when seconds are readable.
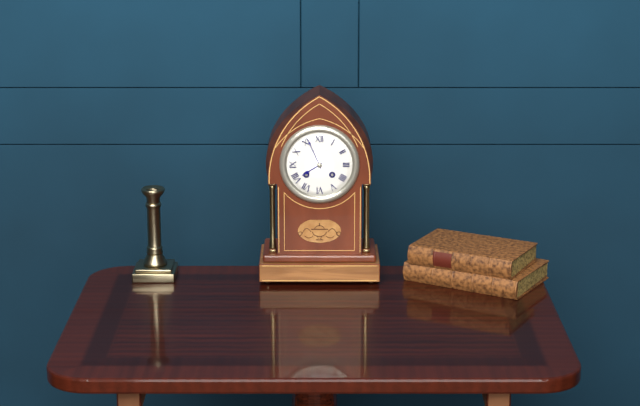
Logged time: 7:56
